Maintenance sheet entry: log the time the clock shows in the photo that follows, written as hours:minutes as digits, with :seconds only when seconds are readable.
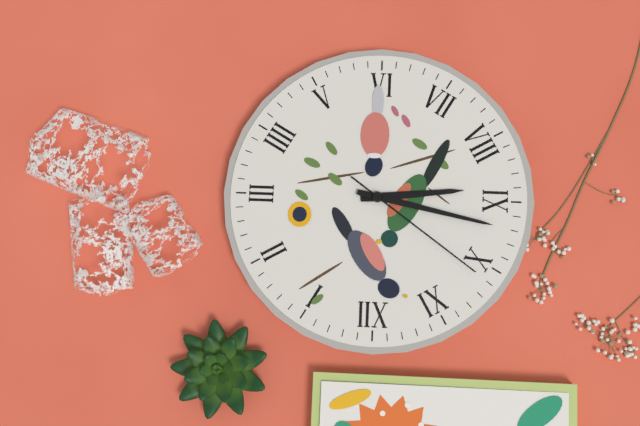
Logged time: 8:47:51
